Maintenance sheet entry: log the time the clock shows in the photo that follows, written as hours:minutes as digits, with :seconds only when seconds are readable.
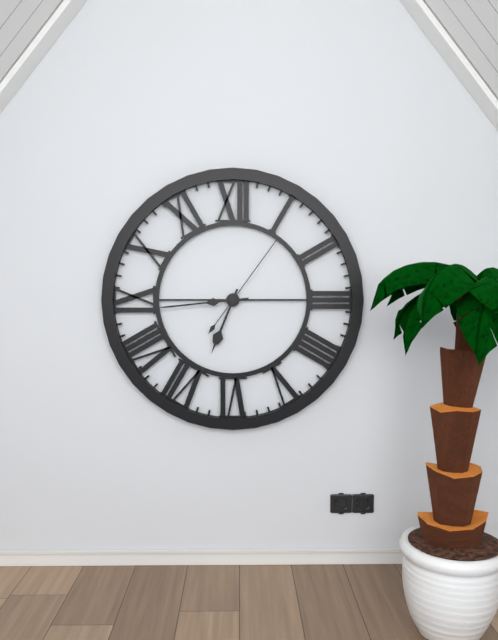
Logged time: 6:44:06
